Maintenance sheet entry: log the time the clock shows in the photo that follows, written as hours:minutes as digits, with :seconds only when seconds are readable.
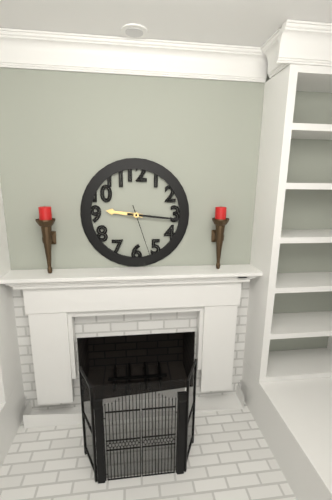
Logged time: 9:16:27
